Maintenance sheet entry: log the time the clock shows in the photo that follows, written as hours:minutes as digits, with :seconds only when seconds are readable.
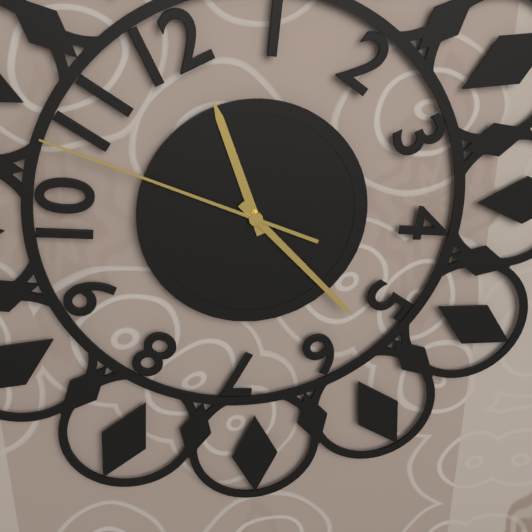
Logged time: 11:23:49
